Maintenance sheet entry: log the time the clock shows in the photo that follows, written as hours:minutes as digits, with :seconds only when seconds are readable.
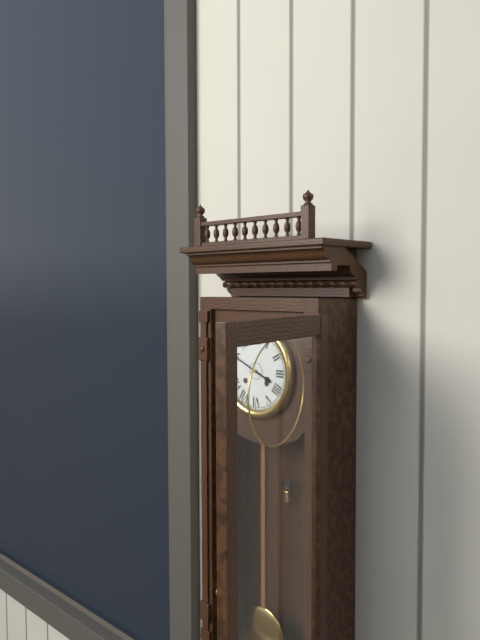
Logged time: 3:49
